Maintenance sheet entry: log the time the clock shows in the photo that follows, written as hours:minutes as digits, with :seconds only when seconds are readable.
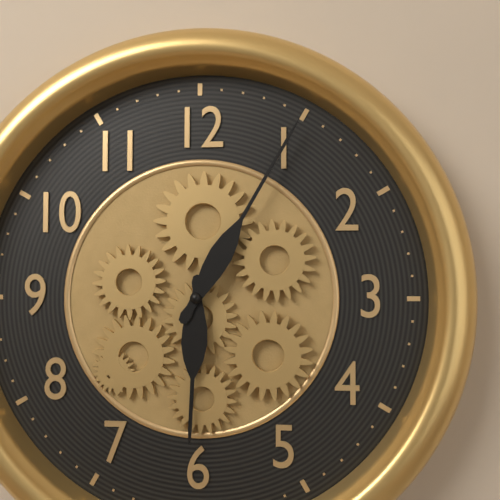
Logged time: 6:05
